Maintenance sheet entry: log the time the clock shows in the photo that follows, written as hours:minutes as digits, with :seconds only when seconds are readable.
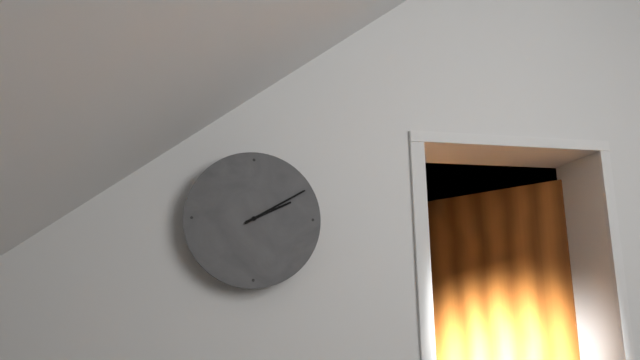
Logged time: 2:10
